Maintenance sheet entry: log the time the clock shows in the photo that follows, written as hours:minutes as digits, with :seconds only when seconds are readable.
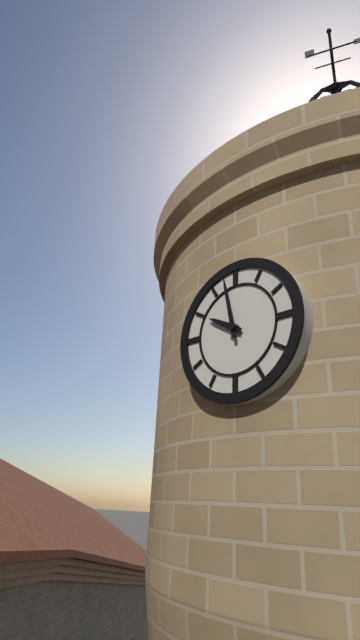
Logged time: 9:58
